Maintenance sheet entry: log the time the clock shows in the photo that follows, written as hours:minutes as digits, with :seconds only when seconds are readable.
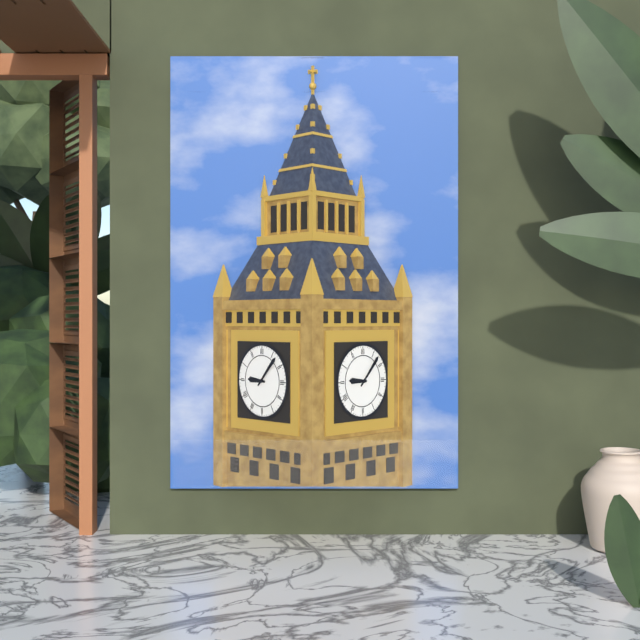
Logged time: 9:07
